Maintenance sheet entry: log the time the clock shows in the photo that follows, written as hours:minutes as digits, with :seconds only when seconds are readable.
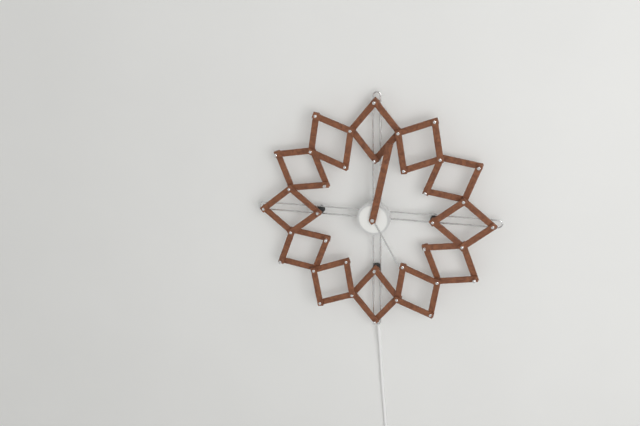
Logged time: 5:02
